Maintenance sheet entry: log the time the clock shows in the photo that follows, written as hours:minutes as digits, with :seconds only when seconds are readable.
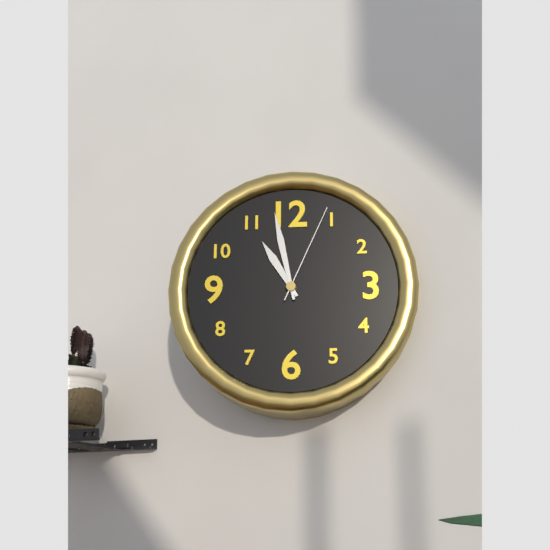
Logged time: 10:58:04
